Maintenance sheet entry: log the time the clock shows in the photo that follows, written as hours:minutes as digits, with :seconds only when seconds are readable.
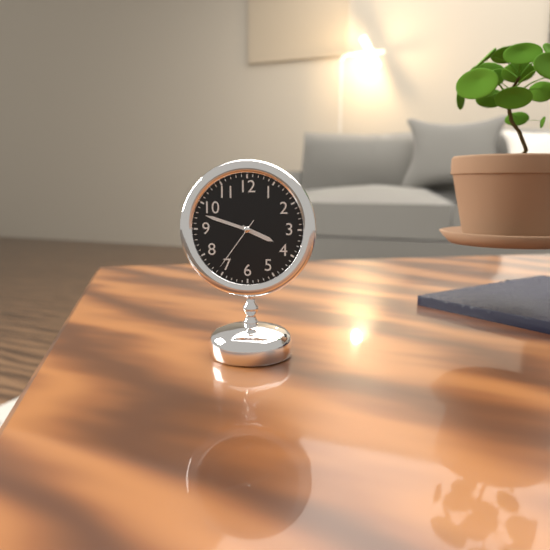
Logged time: 3:48:36
